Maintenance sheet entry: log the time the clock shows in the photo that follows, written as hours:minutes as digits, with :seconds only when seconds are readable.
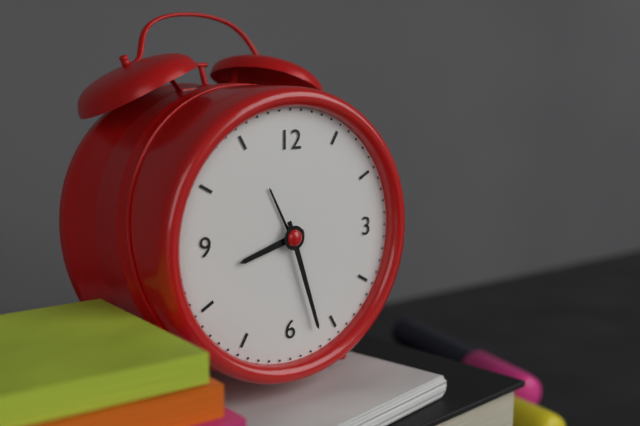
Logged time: 8:27
